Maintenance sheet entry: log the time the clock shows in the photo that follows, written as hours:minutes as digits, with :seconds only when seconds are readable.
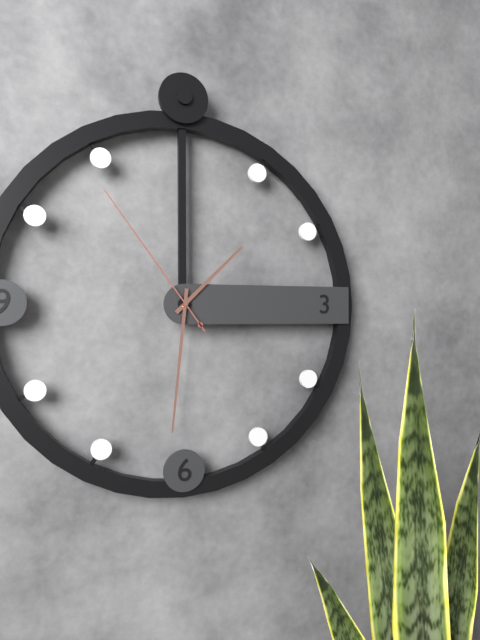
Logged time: 1:31:54
